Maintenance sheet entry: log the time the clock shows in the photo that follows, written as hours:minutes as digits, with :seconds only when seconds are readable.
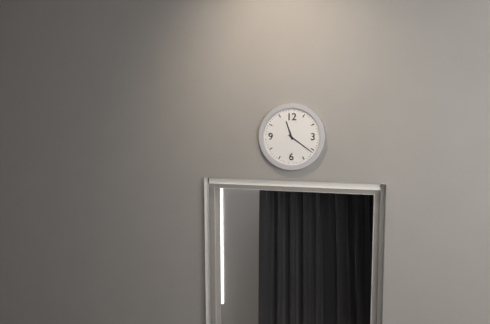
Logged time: 11:21
